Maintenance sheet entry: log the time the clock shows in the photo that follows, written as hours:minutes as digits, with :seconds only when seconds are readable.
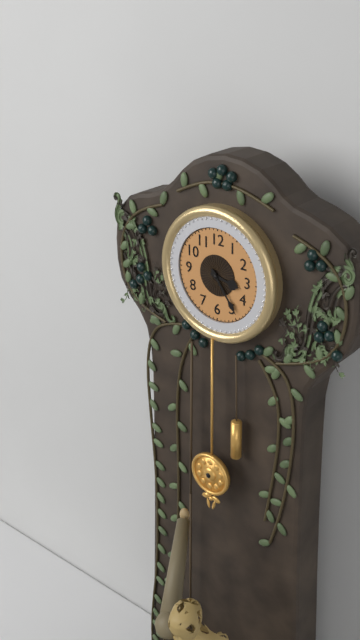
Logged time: 3:24
